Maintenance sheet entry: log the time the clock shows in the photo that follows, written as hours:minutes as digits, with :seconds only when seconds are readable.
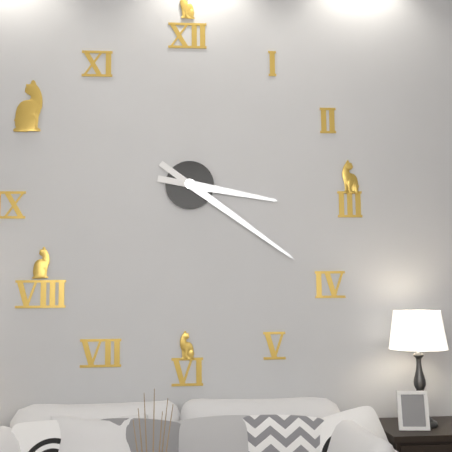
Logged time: 3:21
